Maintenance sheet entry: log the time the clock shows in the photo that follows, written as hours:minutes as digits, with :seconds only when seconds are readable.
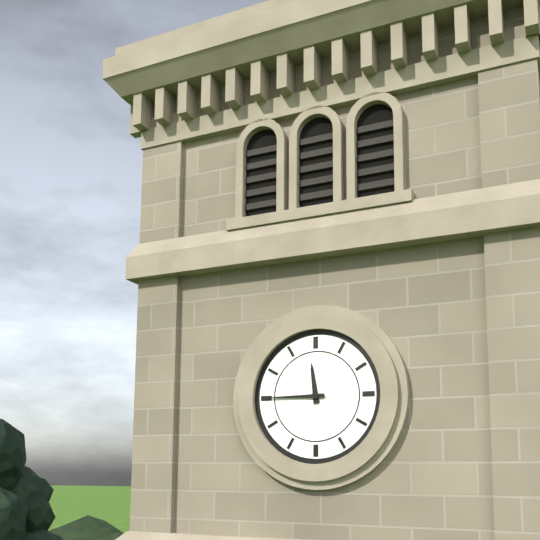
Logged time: 11:45
